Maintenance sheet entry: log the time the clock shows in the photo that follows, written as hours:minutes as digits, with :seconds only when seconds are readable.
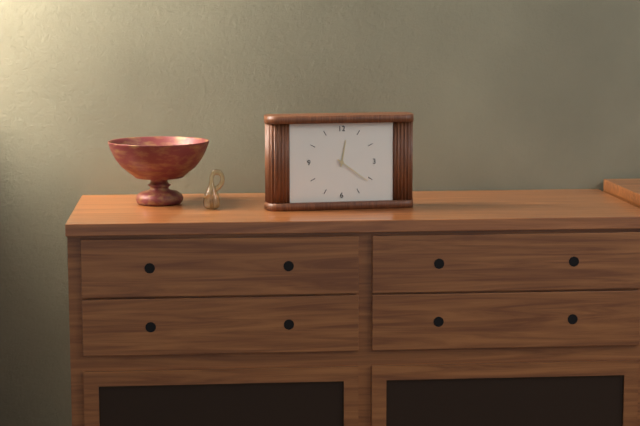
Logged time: 12:21
